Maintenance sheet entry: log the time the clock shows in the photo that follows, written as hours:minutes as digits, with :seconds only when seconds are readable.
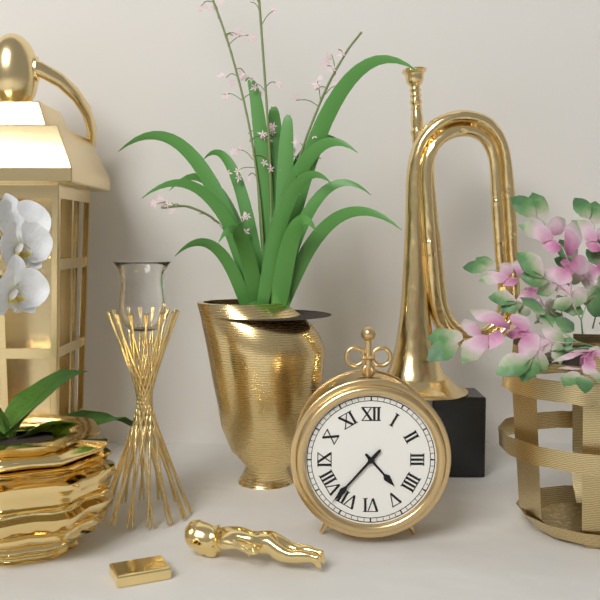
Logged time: 4:37
